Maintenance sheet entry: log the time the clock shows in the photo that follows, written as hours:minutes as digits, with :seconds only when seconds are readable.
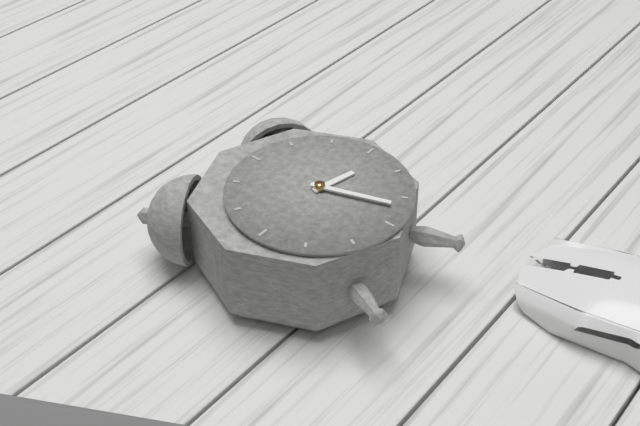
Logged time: 3:27
